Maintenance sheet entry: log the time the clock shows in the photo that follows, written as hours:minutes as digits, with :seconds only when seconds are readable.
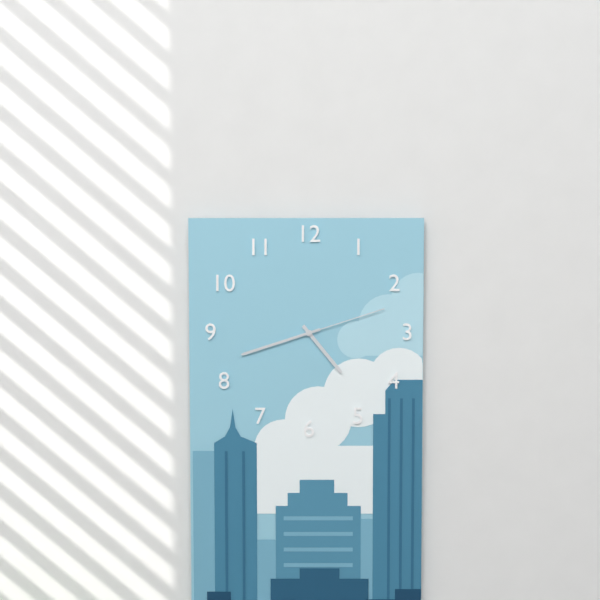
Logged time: 4:42:12
